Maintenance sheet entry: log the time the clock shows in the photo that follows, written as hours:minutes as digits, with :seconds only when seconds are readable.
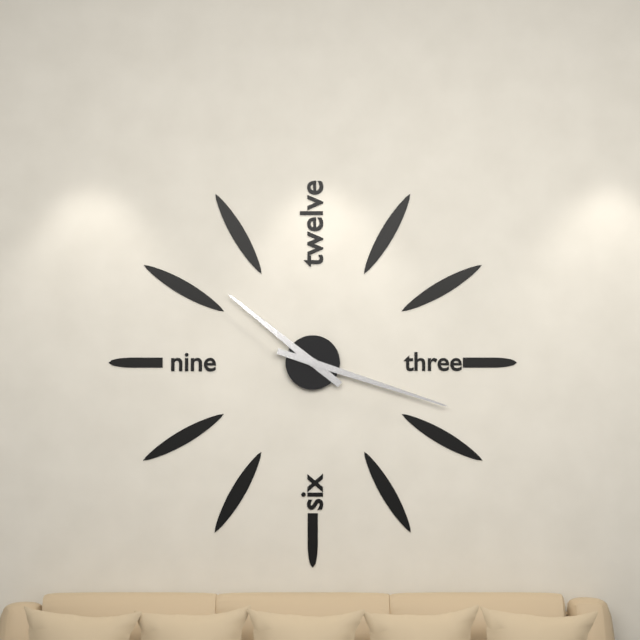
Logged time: 10:18
